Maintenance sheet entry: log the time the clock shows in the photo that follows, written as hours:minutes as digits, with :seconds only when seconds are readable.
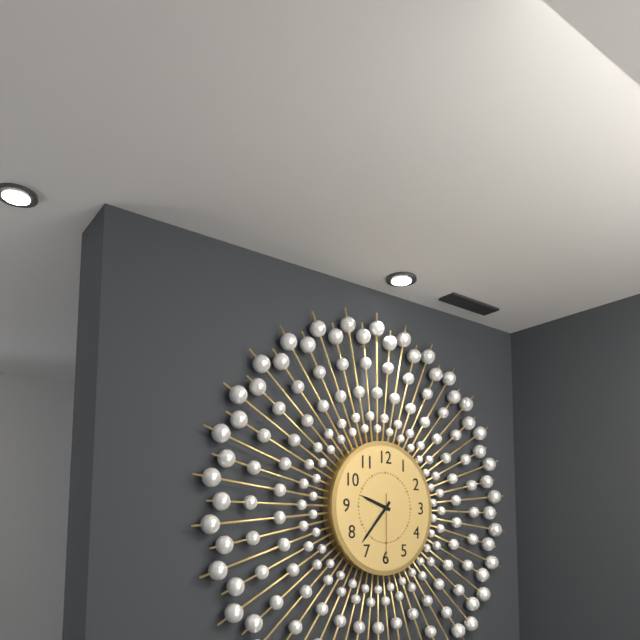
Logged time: 9:37:30
